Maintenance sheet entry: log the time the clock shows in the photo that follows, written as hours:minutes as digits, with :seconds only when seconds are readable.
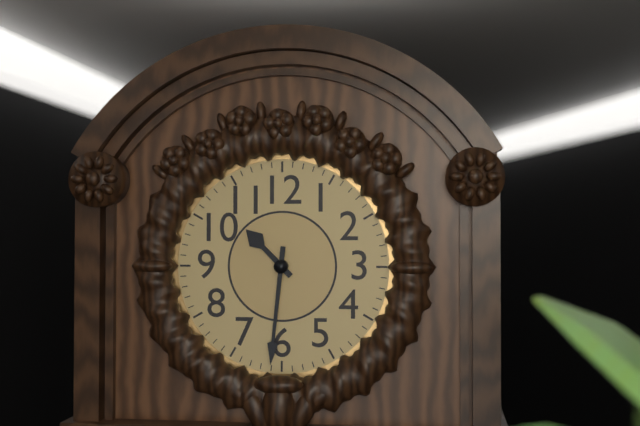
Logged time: 10:31
